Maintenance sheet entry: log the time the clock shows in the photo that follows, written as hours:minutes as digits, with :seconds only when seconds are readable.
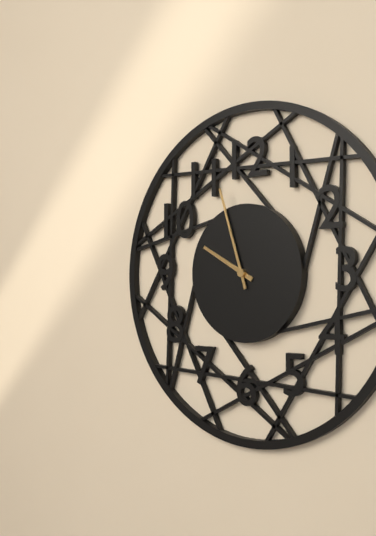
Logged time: 9:57
